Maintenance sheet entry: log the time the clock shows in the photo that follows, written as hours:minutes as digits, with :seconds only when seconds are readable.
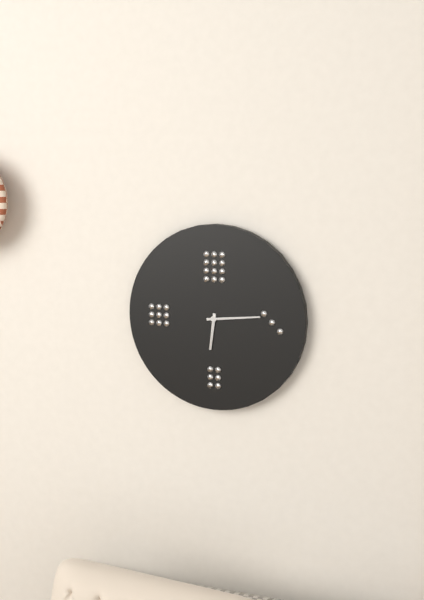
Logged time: 6:14
